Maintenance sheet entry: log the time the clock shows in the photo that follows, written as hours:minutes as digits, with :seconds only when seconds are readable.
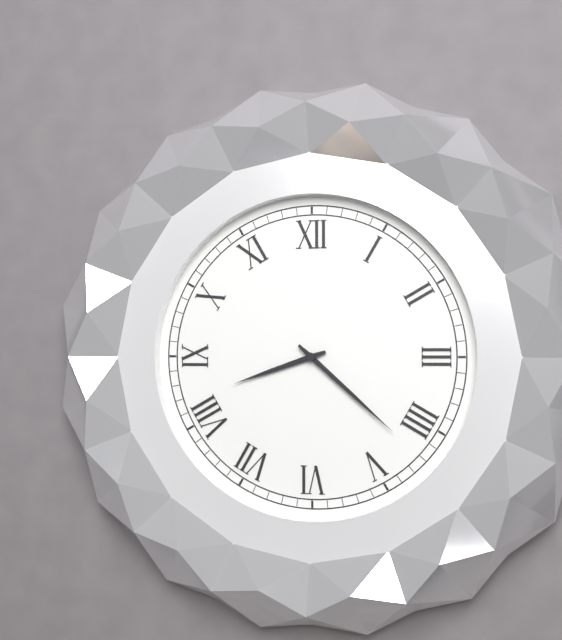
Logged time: 8:22
